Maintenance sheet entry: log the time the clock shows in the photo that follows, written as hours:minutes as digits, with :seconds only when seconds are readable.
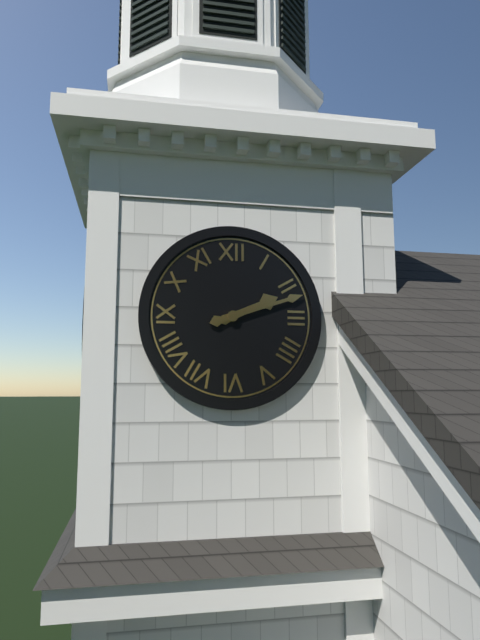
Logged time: 2:12
